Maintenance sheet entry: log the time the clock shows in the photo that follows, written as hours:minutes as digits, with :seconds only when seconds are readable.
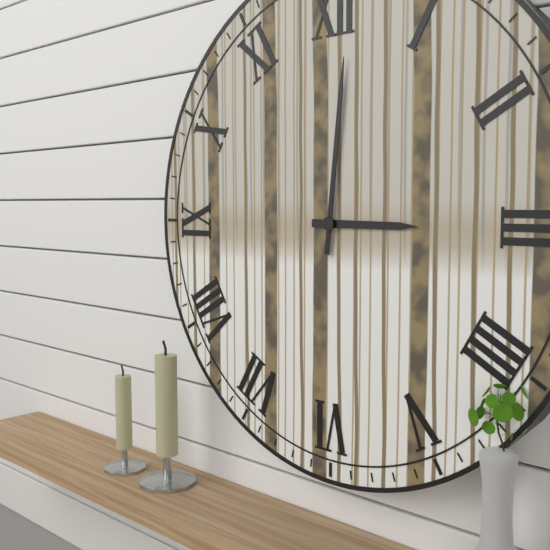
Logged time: 3:01
